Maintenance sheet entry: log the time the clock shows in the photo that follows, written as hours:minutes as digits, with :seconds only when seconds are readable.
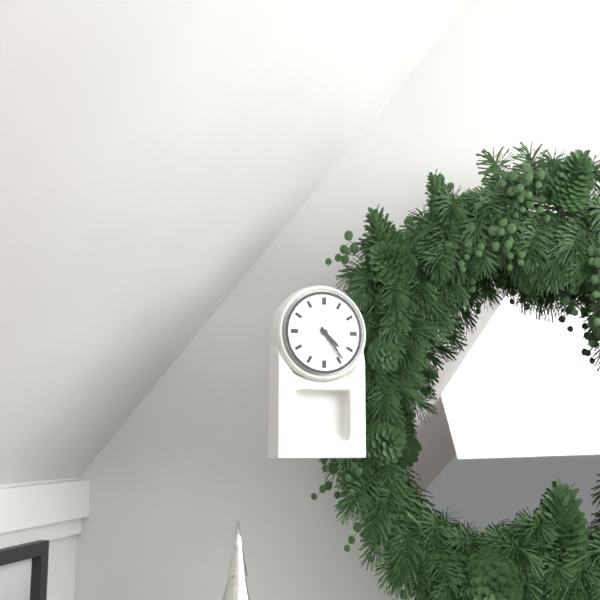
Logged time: 4:24
